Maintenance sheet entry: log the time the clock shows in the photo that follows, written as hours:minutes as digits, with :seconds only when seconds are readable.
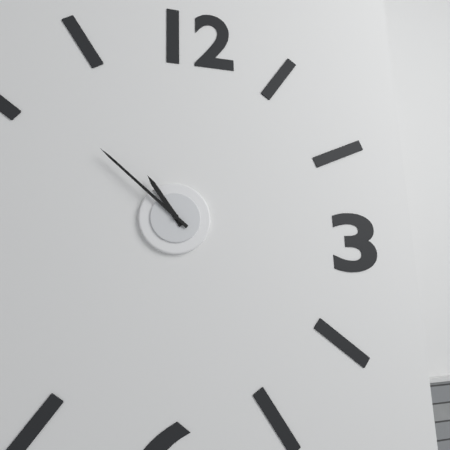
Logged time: 10:52
